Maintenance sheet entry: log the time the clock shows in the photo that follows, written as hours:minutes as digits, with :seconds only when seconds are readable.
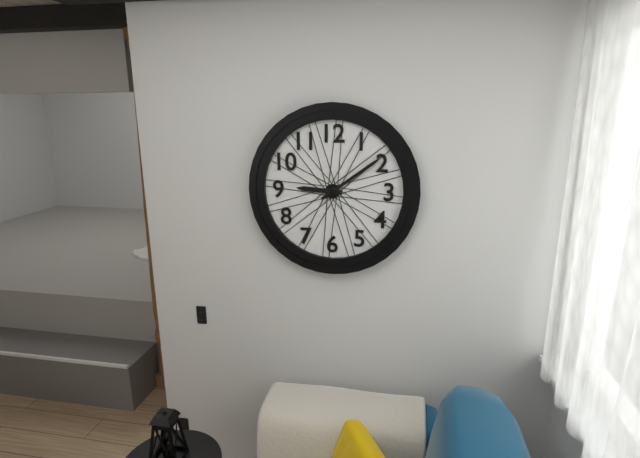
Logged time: 9:09
